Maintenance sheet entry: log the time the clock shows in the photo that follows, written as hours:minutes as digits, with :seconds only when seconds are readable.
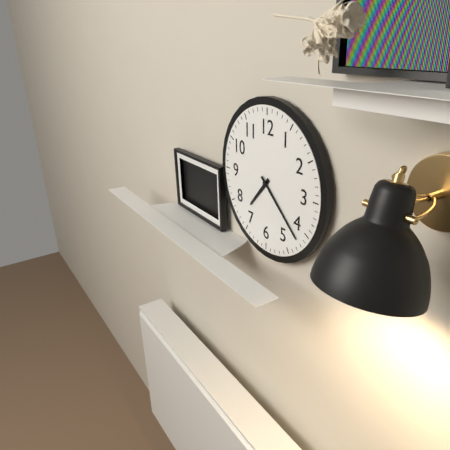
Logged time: 7:22
